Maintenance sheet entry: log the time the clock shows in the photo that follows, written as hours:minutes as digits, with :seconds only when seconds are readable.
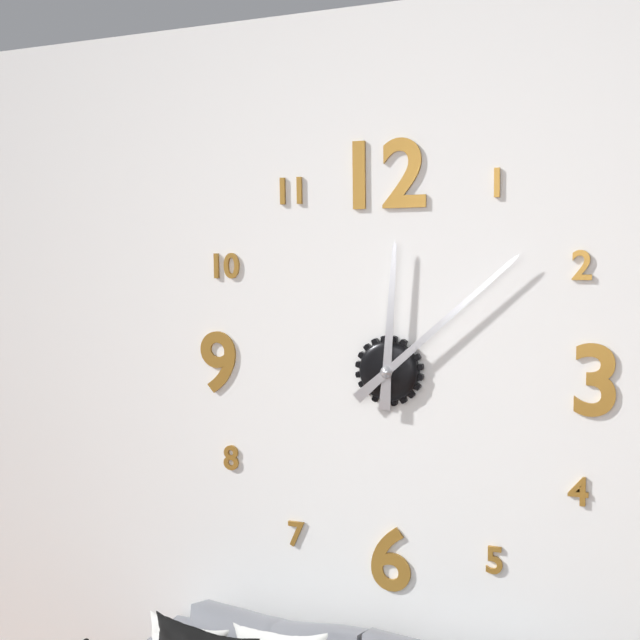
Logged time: 12:08
